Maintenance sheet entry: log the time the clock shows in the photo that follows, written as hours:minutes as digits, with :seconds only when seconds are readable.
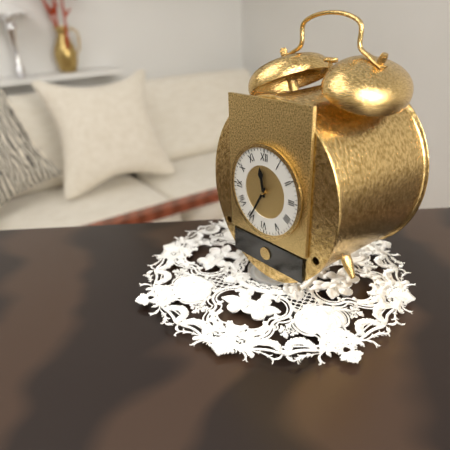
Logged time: 11:35
